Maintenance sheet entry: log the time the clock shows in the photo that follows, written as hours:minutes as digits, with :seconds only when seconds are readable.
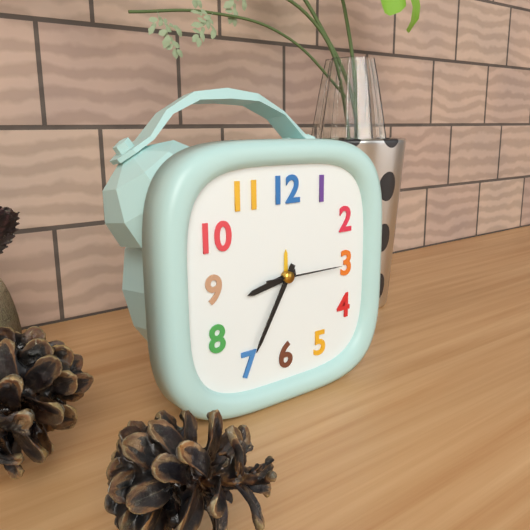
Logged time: 8:35:15
